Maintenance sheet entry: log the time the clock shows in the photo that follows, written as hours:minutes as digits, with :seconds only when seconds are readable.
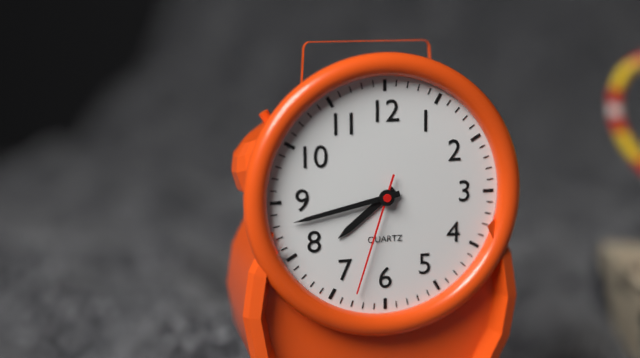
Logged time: 7:43:33
